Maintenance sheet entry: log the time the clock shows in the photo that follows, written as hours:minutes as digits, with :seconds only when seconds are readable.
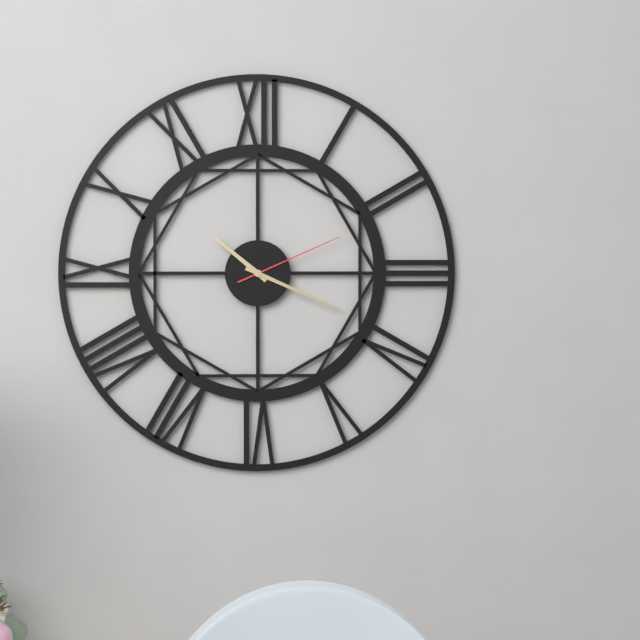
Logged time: 10:19:11
